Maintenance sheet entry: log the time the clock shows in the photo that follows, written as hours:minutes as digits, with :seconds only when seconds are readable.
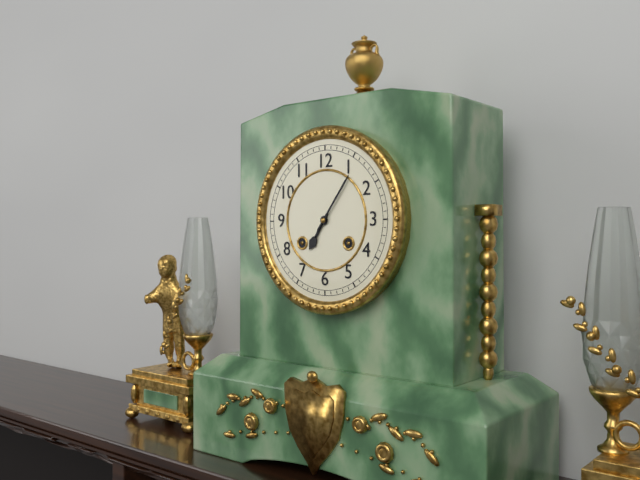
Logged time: 7:06
